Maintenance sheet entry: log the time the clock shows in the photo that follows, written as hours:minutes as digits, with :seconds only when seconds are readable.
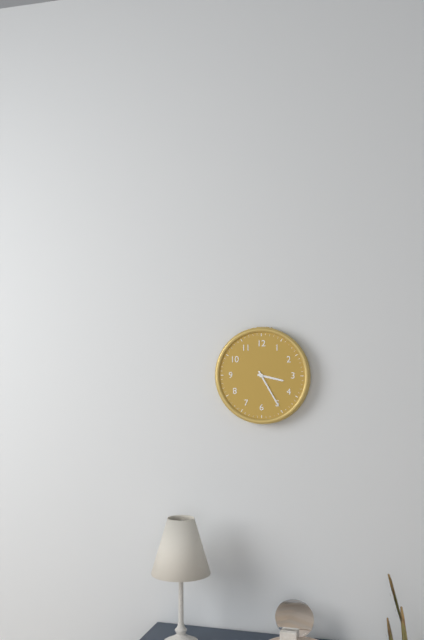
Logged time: 3:25
